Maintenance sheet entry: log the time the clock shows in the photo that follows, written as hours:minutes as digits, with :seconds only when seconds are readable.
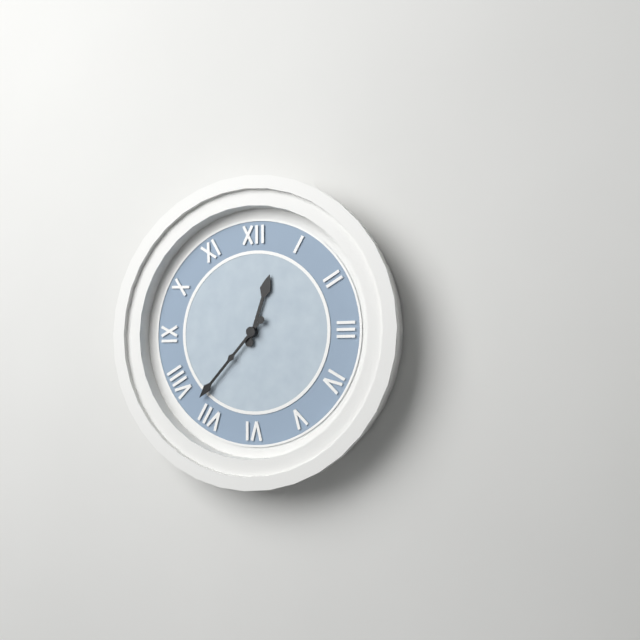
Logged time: 12:37
